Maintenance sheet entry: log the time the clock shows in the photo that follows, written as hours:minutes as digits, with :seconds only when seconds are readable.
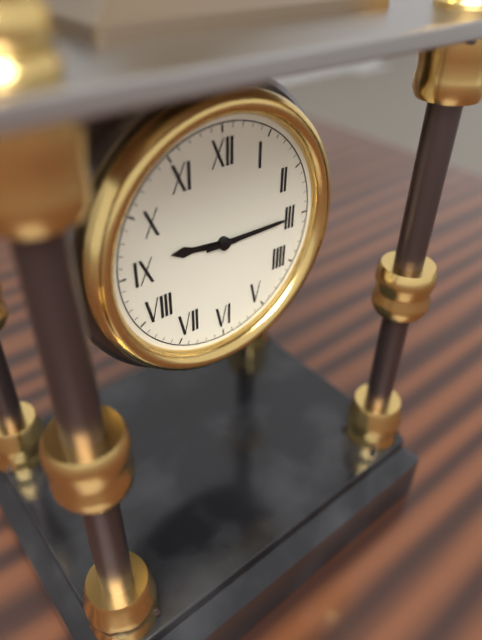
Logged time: 9:15
